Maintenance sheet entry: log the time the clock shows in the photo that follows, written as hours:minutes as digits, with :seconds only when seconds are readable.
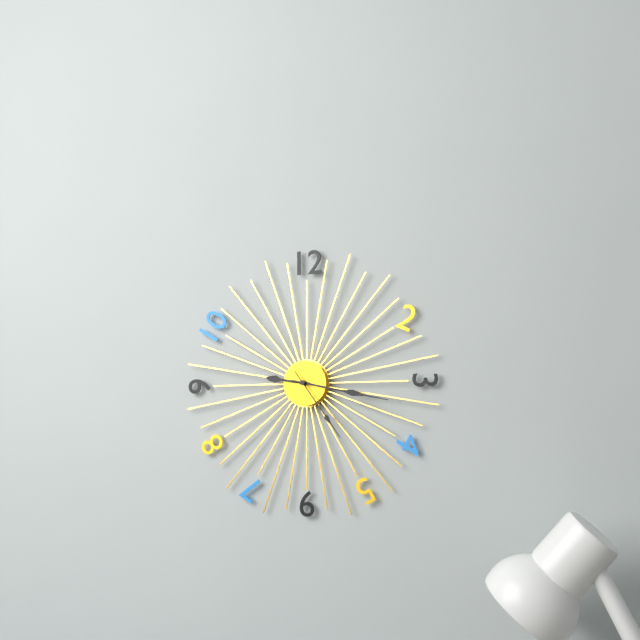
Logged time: 9:17:24
